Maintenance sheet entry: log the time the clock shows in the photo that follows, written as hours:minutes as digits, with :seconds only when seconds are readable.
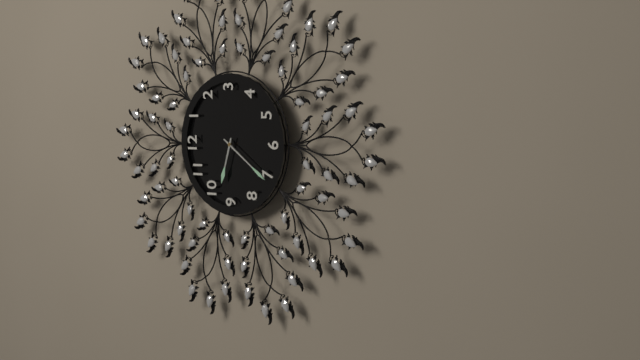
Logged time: 9:36
